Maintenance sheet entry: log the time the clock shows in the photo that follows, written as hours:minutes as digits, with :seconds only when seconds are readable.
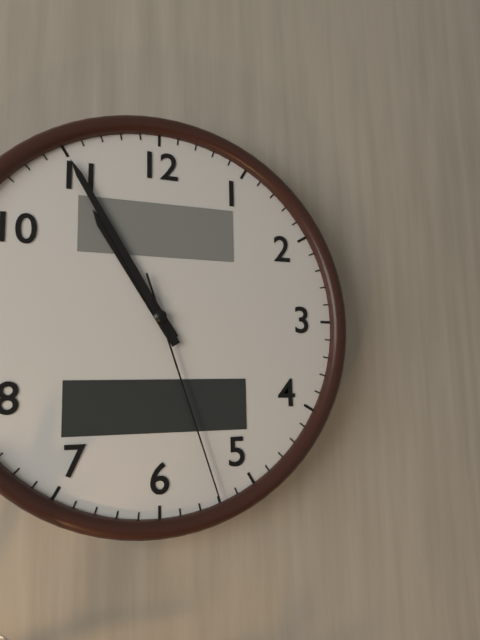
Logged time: 10:55:27
